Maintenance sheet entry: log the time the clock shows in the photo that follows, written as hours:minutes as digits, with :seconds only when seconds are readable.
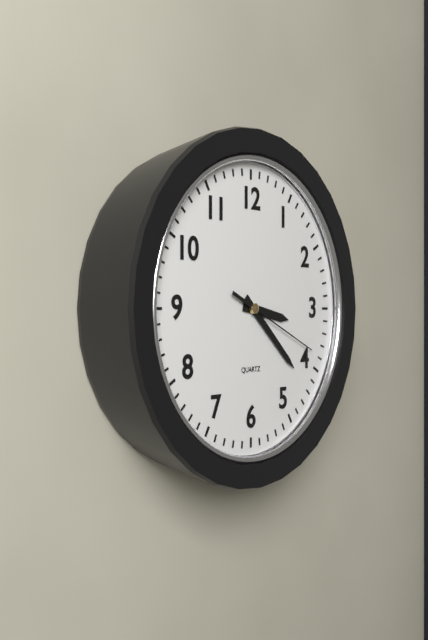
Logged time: 3:22:19
